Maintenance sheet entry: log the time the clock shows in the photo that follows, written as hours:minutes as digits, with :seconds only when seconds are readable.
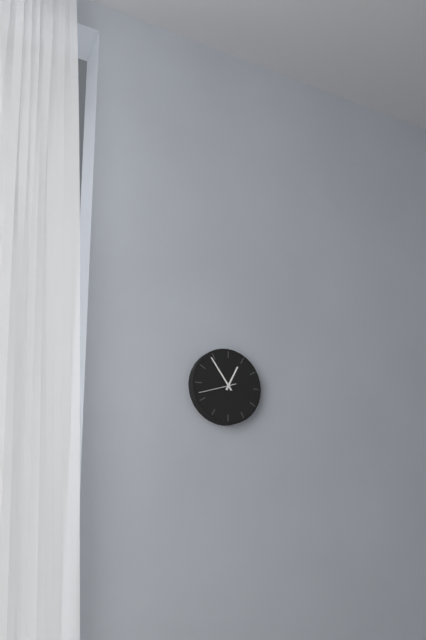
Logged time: 12:54
